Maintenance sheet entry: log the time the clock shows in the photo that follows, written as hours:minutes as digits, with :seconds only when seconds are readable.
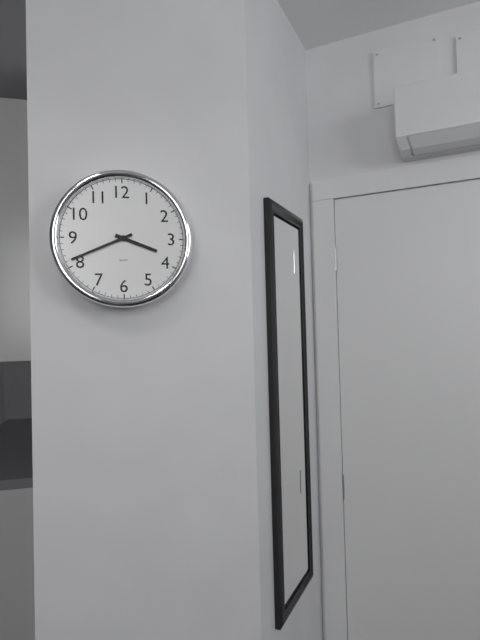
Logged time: 3:41
